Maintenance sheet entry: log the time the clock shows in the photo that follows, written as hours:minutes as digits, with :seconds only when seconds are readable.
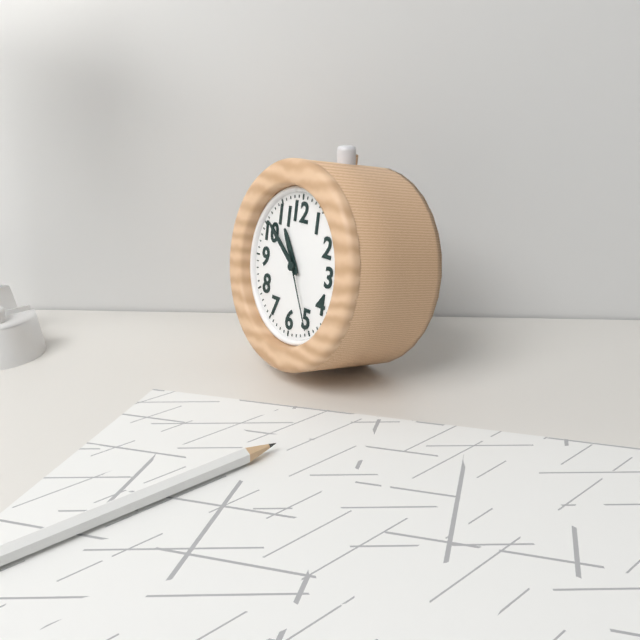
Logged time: 10:51:25
